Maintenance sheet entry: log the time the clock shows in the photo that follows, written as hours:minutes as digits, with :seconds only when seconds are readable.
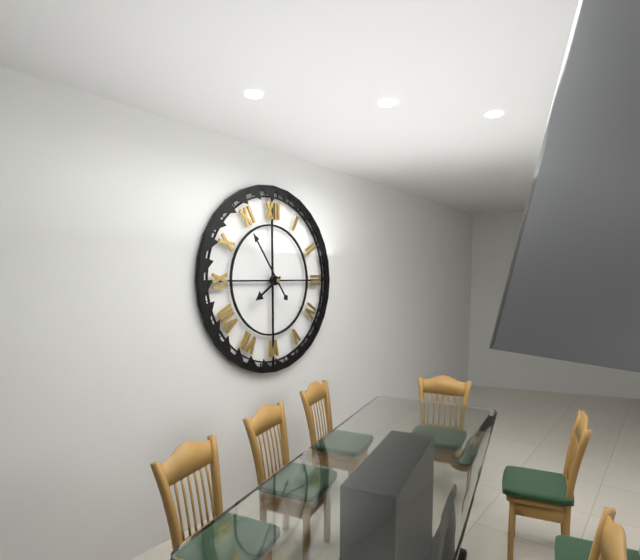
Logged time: 7:54
